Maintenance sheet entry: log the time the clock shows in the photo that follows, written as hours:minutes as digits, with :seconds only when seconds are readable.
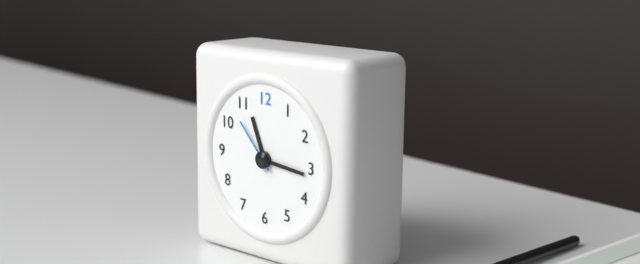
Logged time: 11:16:53
